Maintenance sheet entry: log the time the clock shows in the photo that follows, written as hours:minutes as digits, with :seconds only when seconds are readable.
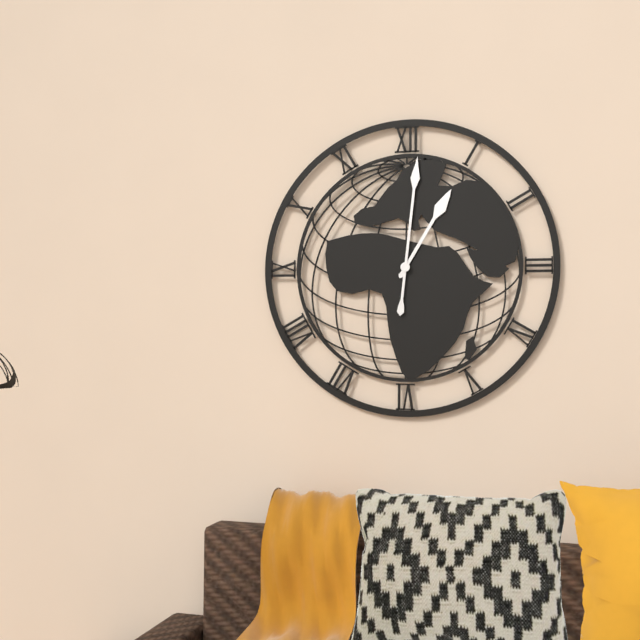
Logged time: 1:01
